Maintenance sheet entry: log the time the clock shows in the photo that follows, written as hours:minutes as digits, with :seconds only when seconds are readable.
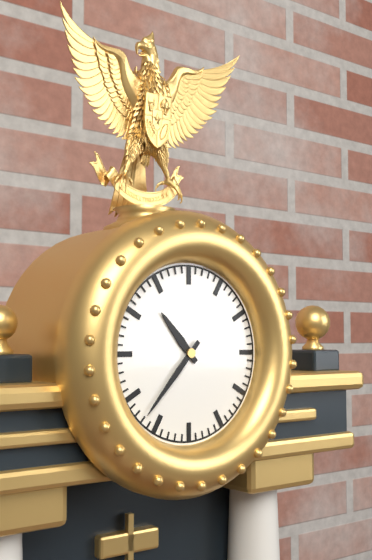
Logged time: 10:37
